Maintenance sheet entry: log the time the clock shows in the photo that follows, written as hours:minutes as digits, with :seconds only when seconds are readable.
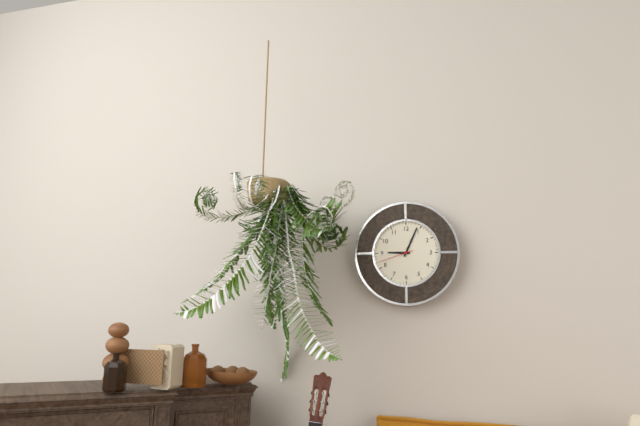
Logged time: 9:04
